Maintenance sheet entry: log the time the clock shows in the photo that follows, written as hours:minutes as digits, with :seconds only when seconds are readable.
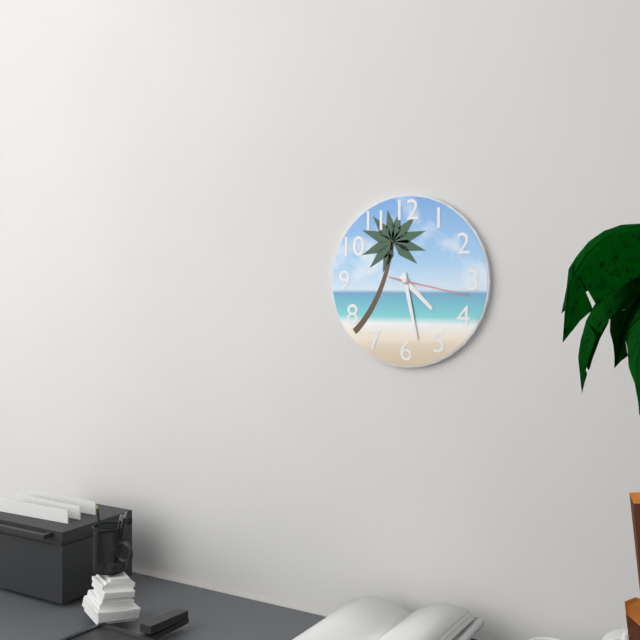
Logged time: 4:28:17
